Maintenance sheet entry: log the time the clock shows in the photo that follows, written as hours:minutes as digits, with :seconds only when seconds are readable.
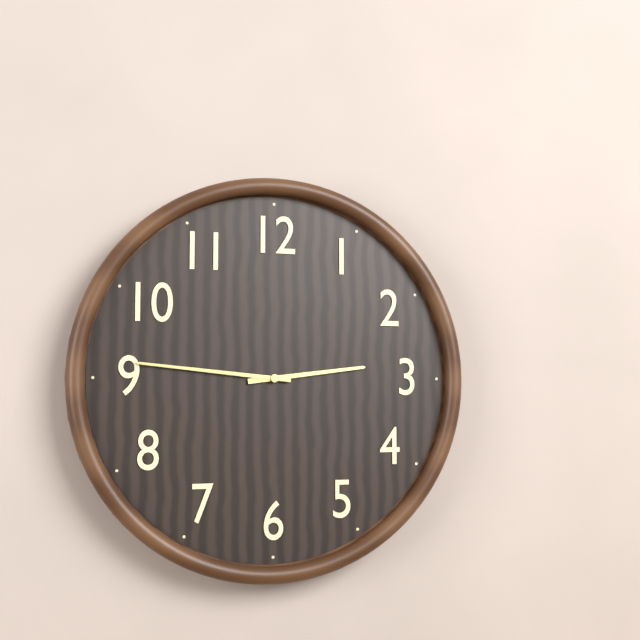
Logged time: 2:46
